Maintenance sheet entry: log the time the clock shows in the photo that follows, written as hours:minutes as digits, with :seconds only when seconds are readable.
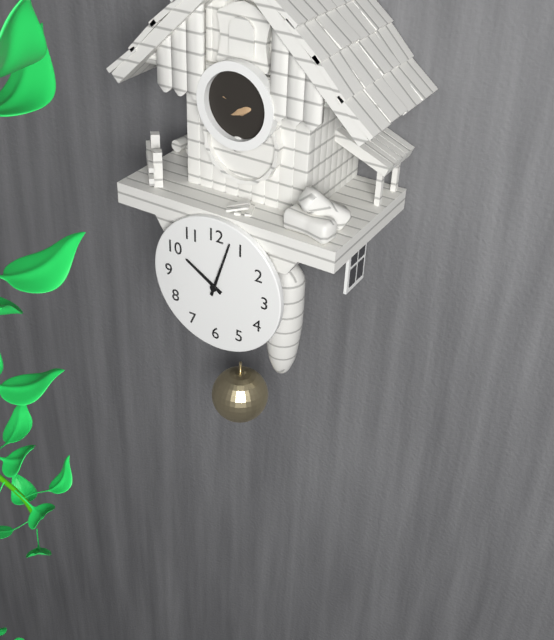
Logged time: 10:03
